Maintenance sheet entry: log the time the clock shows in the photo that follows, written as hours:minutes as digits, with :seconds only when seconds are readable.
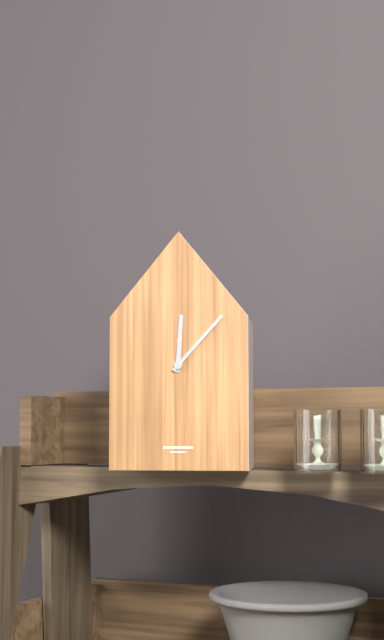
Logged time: 12:07
